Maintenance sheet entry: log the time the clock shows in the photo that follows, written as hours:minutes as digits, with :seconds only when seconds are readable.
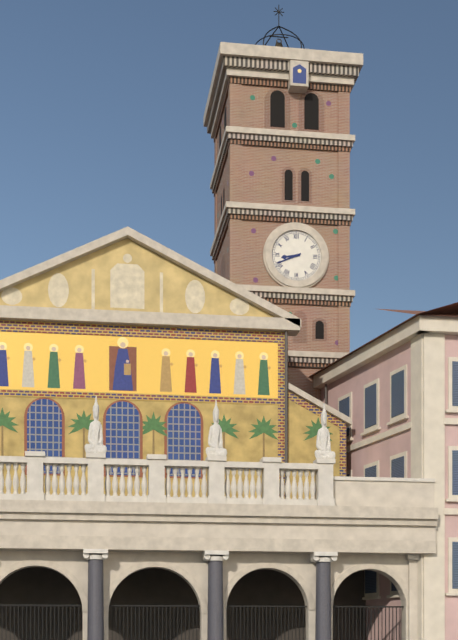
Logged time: 8:41
